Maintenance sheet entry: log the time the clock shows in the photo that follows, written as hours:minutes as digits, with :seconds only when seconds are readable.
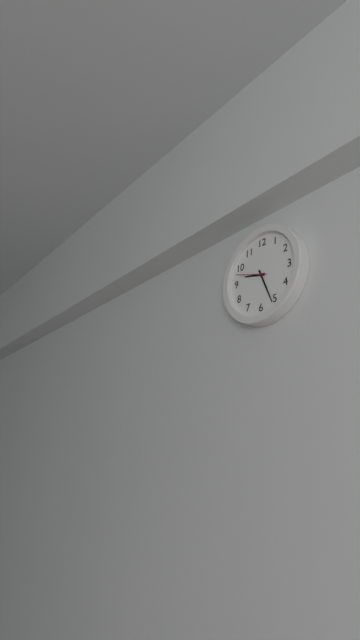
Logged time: 9:26
